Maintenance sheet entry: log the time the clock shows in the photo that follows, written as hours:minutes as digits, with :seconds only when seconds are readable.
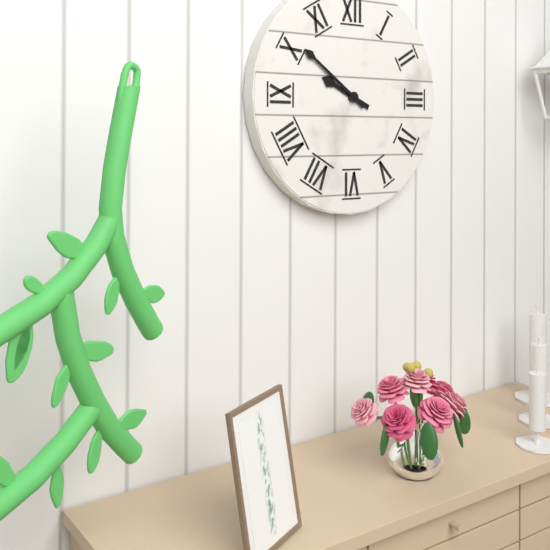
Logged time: 9:51
